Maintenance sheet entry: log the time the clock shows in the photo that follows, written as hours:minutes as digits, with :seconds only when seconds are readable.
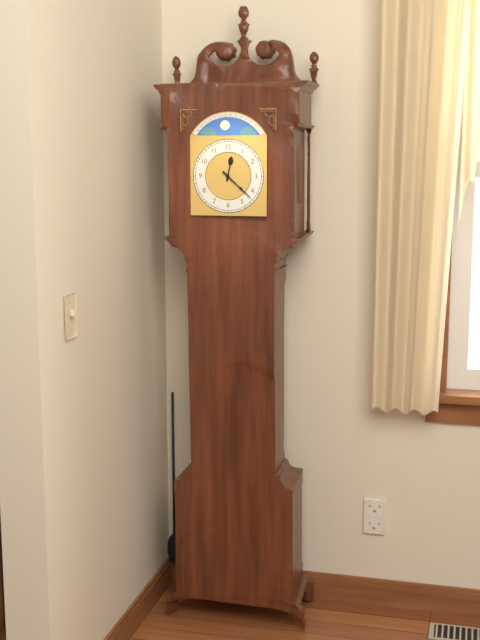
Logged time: 12:22
